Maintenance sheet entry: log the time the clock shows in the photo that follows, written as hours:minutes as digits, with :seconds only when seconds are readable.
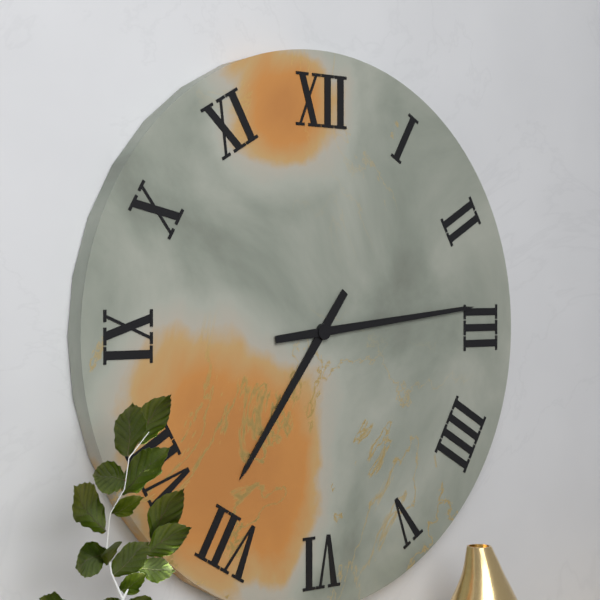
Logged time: 7:14
